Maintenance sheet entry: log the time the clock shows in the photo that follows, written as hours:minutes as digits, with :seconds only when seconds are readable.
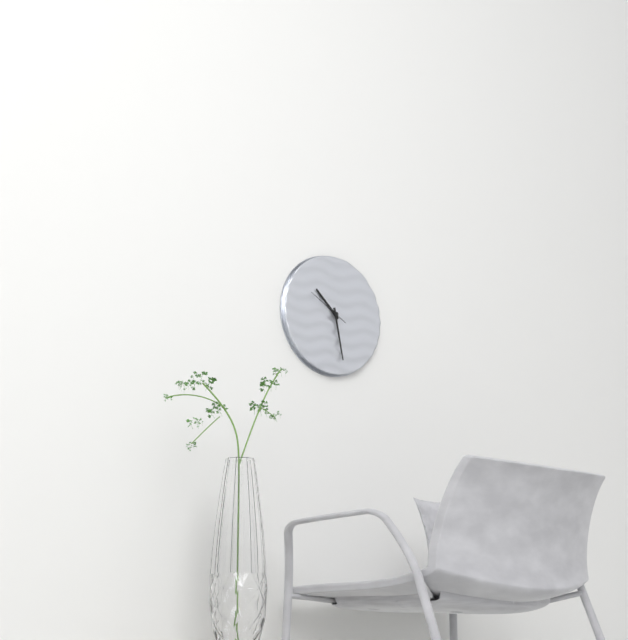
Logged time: 10:28
